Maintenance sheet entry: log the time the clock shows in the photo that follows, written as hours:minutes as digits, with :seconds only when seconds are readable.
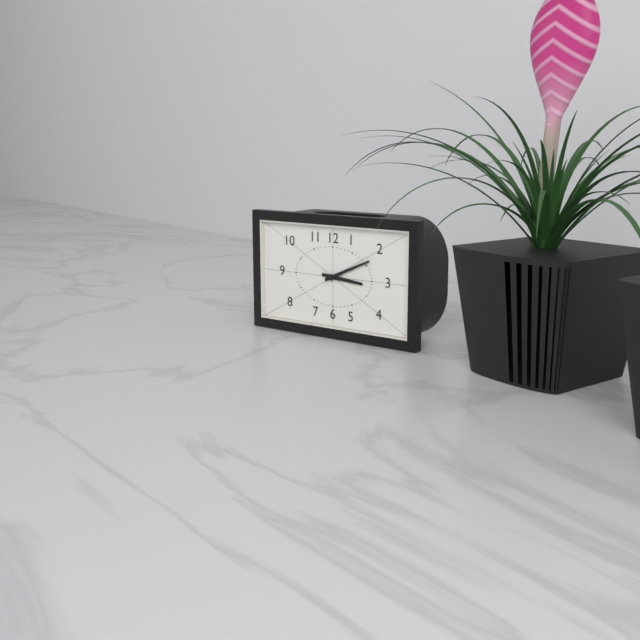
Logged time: 3:11
